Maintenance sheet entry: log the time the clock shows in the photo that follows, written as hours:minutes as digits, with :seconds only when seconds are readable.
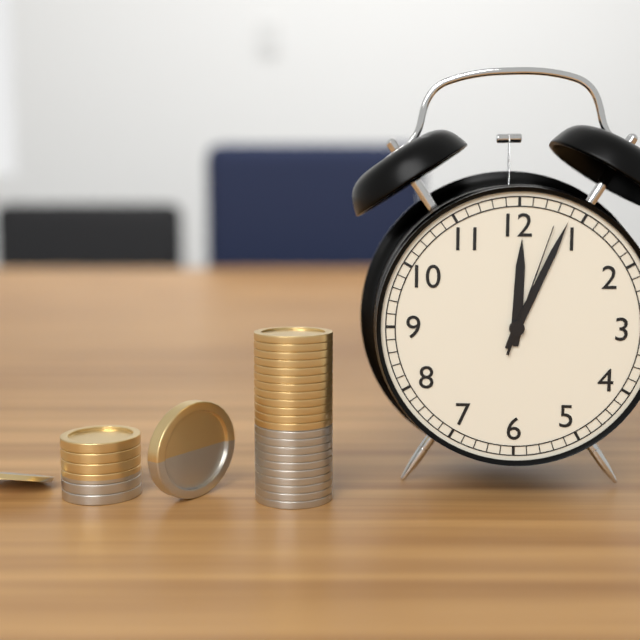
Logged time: 12:04:03
